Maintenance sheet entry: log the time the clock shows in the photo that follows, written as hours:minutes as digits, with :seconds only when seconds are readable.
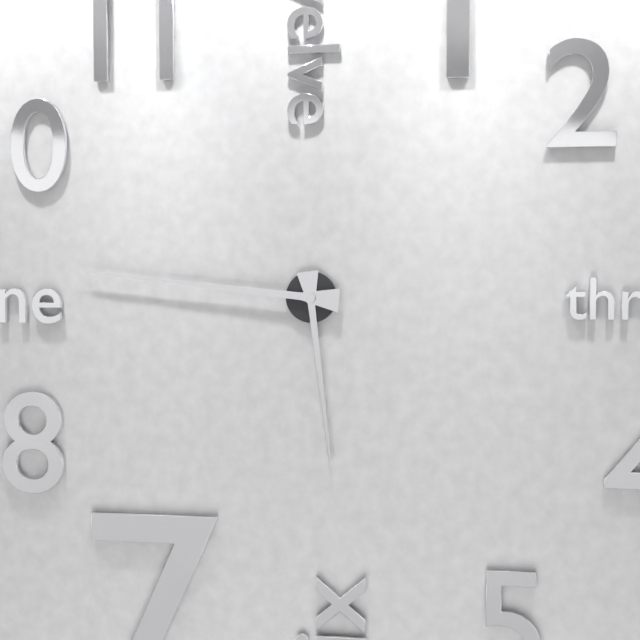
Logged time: 5:46
